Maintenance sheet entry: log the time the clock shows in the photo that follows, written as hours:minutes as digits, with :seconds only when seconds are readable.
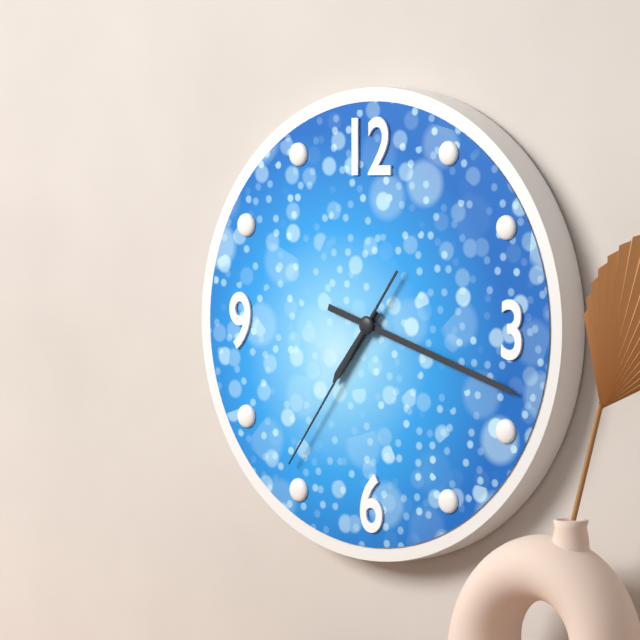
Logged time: 7:18:36
